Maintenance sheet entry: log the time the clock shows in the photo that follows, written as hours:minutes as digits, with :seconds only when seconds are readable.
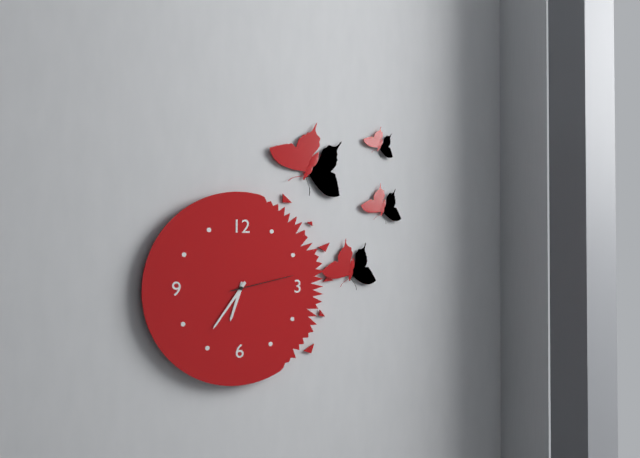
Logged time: 6:36:13
